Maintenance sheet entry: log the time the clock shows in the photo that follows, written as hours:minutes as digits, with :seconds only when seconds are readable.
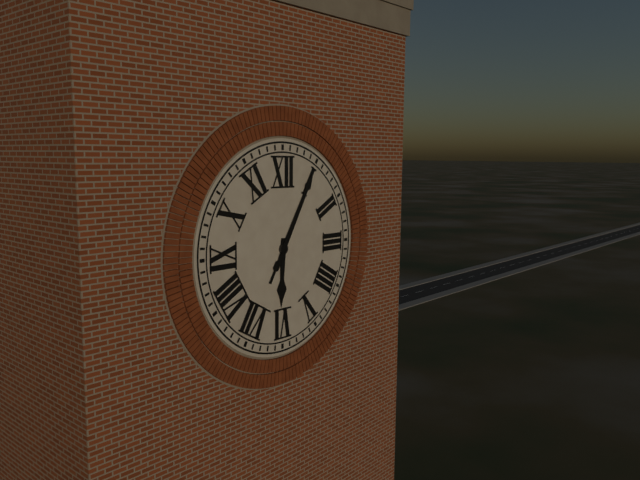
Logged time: 6:05
